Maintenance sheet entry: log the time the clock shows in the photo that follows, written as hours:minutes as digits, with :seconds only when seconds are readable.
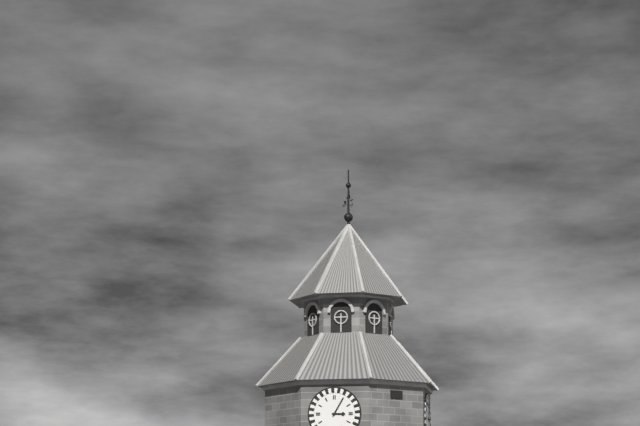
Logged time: 3:05
